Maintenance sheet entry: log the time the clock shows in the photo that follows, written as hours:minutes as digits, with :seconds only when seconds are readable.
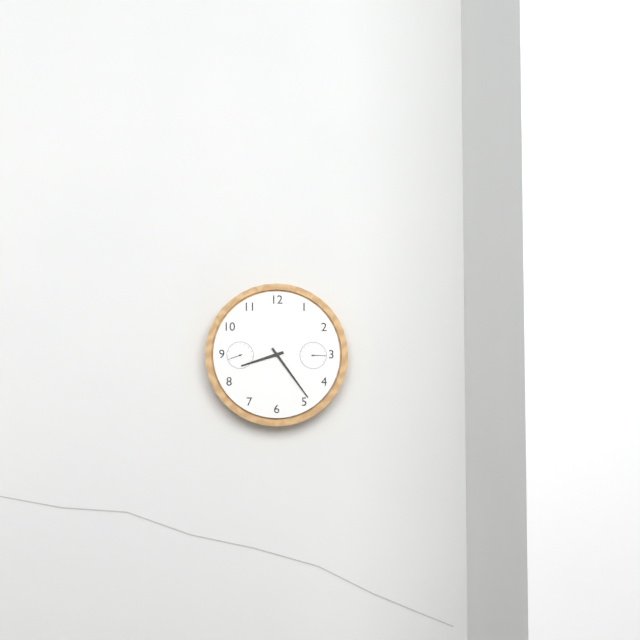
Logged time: 8:24
